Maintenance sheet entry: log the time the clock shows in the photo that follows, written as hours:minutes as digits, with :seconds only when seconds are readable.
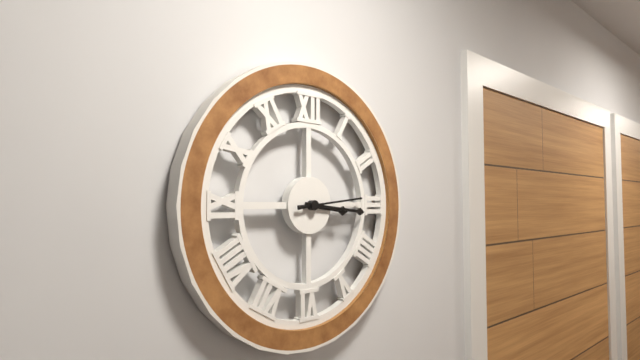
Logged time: 3:16:14
